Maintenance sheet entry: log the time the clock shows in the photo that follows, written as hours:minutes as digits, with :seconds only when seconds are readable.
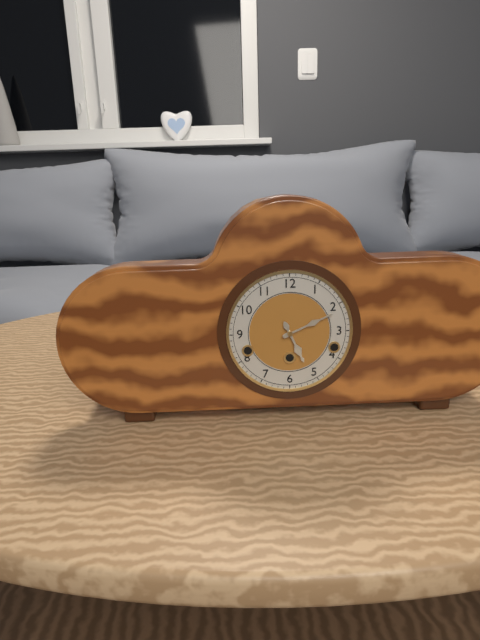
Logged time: 5:11
